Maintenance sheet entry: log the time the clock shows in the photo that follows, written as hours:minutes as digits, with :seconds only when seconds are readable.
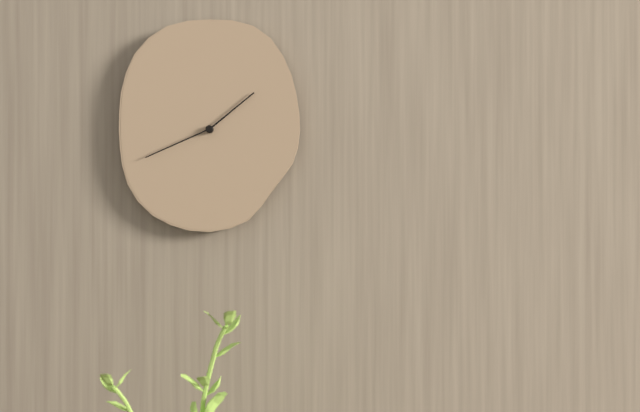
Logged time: 1:41
